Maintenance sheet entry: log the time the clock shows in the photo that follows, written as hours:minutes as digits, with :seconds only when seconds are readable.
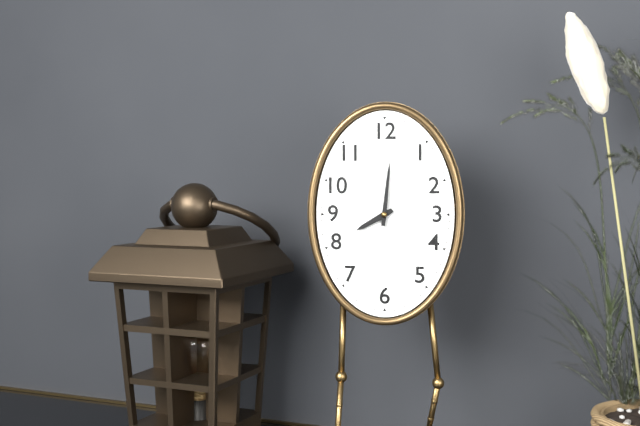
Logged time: 8:01
